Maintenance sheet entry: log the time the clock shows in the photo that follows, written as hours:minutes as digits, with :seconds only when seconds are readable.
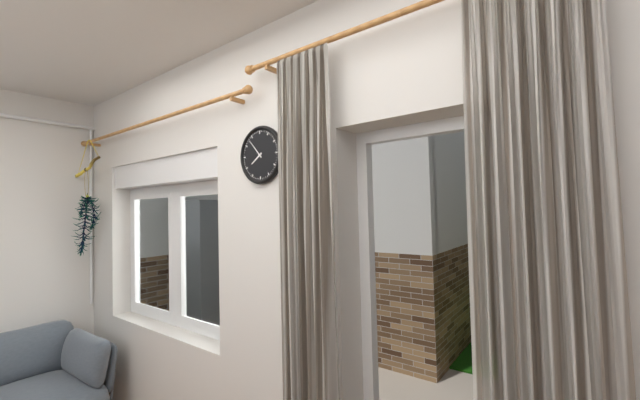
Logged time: 7:53
